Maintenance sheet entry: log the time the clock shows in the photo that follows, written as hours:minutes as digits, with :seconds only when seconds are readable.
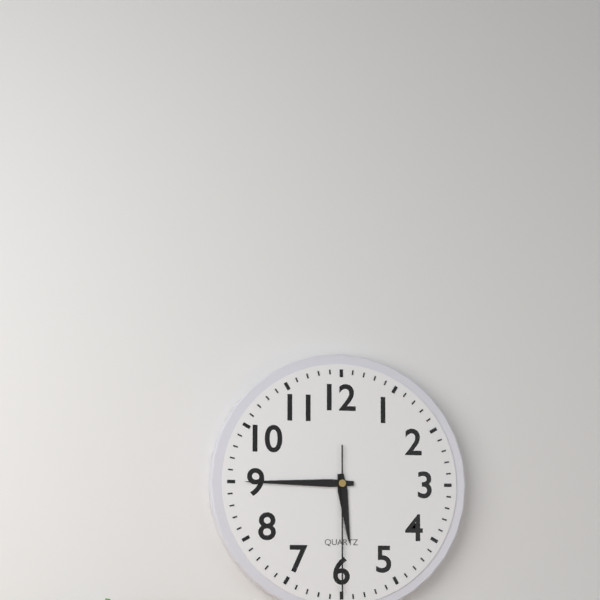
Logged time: 5:45:30
